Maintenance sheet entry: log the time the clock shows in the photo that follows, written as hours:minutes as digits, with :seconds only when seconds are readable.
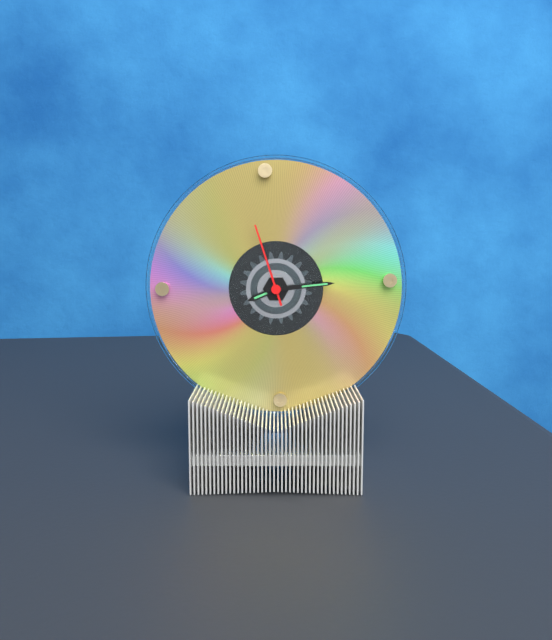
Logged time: 8:14:57
